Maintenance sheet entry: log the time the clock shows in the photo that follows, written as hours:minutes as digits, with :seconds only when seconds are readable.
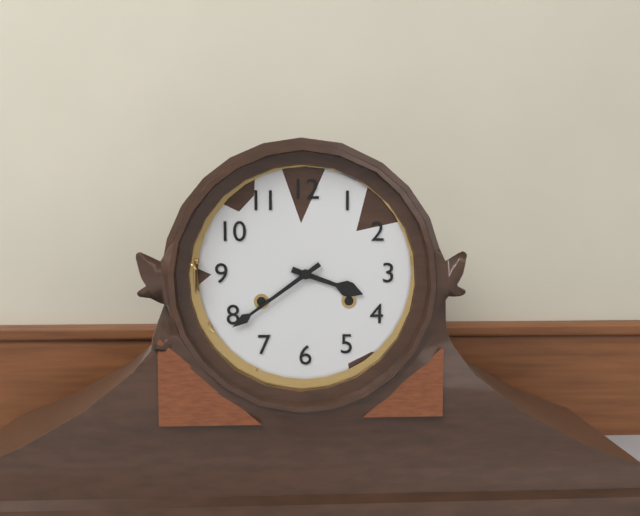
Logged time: 3:39
